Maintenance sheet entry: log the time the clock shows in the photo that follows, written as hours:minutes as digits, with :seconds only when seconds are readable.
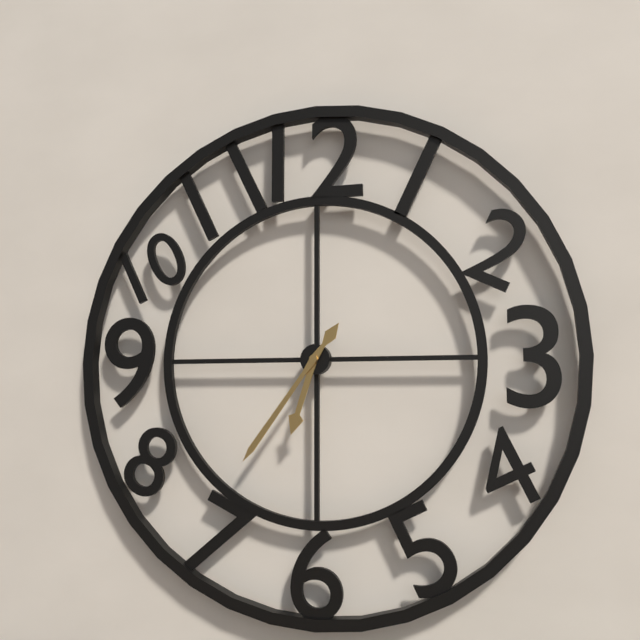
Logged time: 6:36
